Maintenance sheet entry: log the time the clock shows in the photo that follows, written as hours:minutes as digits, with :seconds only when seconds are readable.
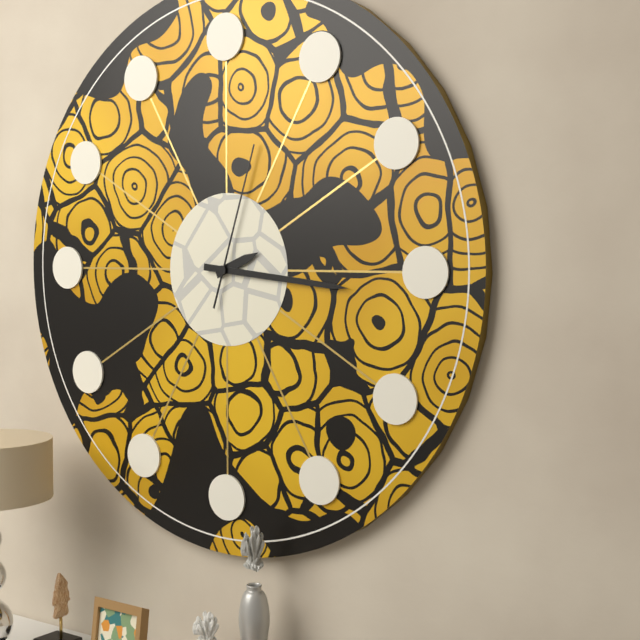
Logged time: 2:16:03
